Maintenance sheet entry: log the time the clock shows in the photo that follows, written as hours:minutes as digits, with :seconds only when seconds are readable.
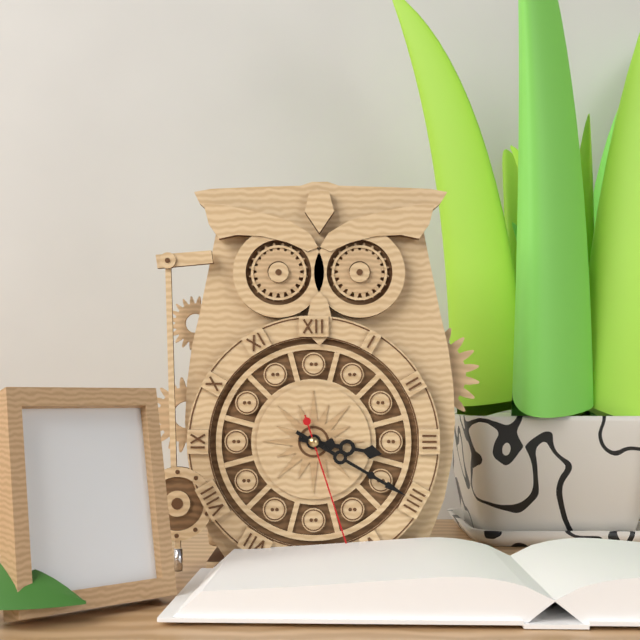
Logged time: 3:20:27
